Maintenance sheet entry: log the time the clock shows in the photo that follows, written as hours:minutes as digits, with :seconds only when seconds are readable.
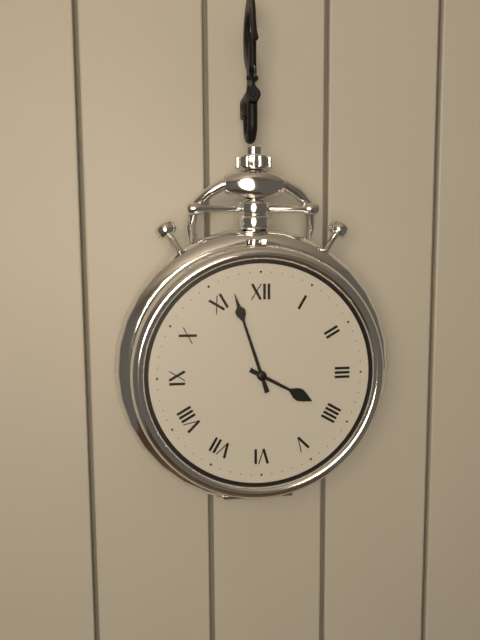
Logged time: 3:57
